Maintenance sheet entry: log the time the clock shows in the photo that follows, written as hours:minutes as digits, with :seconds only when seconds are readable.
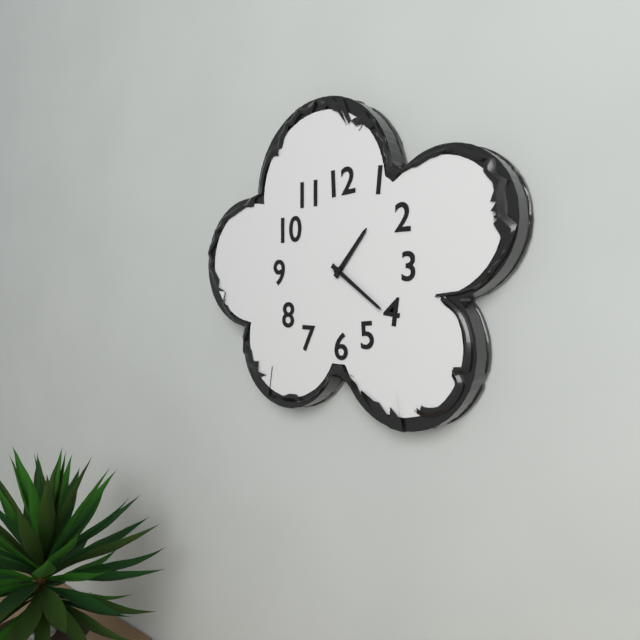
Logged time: 1:21
